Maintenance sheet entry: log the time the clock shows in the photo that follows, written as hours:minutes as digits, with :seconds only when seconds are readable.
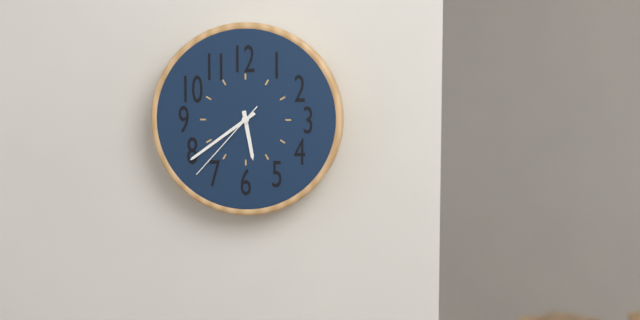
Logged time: 5:39:37
